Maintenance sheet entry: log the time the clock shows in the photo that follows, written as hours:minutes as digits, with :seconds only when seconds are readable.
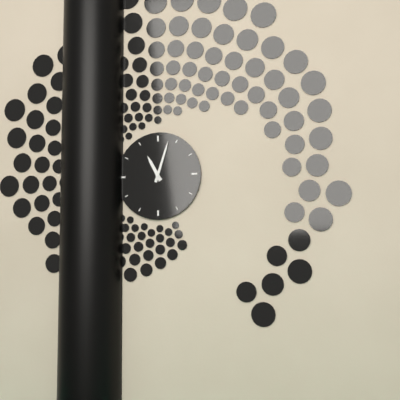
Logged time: 11:03
